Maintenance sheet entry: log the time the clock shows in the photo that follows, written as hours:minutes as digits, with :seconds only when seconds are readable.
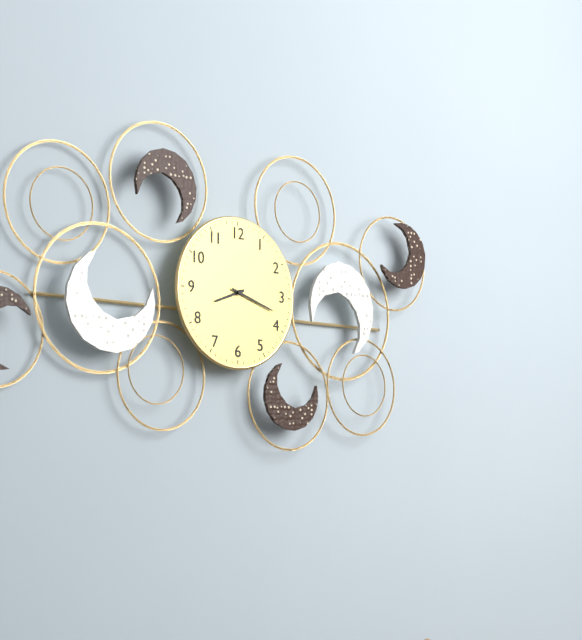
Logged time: 8:18
